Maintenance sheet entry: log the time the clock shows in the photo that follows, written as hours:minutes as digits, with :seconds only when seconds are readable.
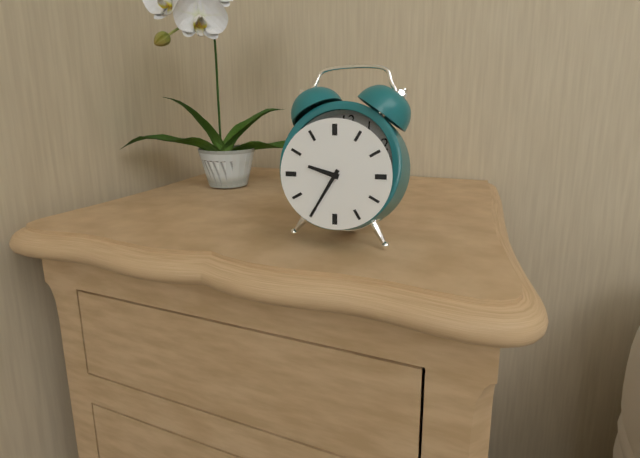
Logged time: 9:35
